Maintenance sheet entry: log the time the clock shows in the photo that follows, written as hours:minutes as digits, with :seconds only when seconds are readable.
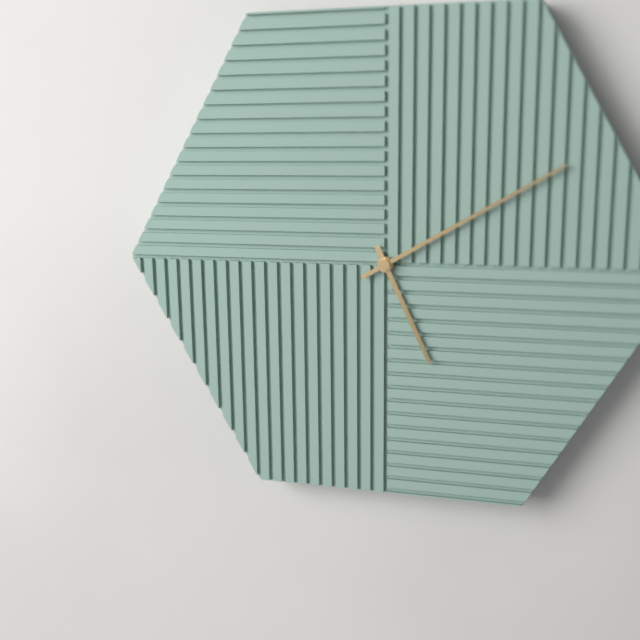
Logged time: 5:10
